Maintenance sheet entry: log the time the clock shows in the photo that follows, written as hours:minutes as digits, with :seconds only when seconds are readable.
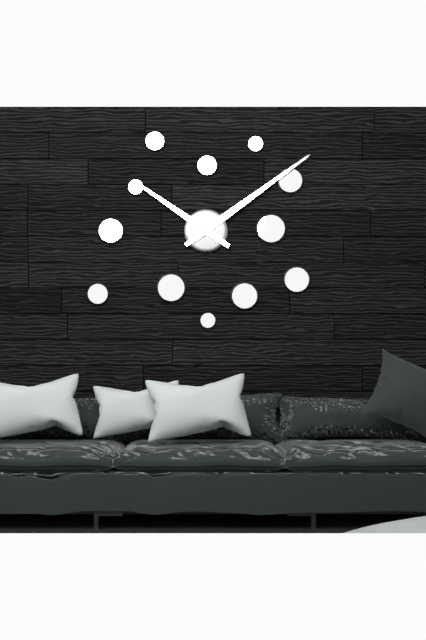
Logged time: 10:09
